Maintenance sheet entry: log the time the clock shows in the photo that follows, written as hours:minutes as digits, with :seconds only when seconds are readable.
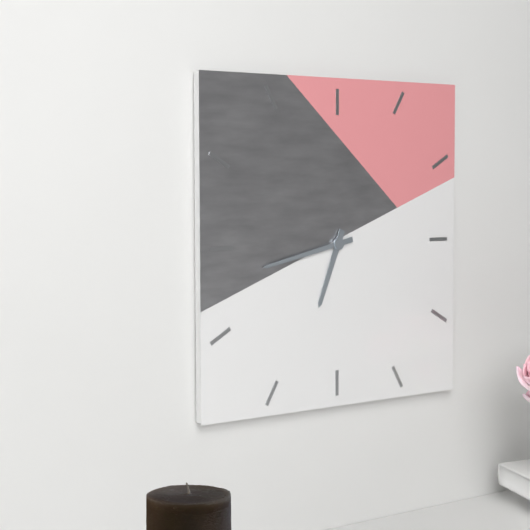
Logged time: 6:43
